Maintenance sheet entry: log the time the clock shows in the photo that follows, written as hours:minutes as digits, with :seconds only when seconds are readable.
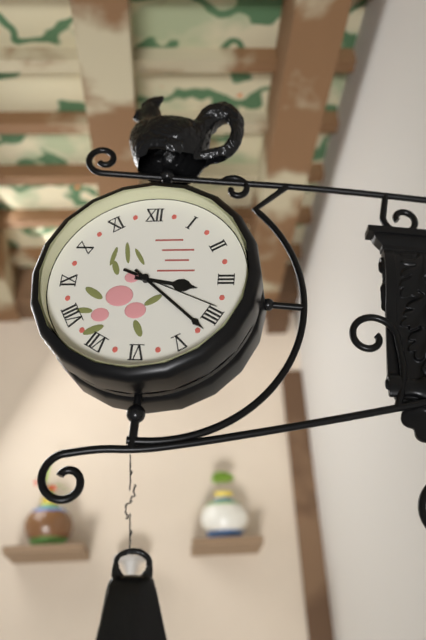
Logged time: 3:22:19
